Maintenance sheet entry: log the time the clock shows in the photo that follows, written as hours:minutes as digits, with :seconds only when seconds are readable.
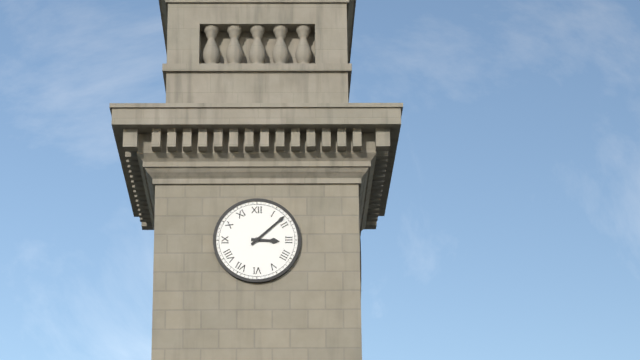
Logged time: 3:08
